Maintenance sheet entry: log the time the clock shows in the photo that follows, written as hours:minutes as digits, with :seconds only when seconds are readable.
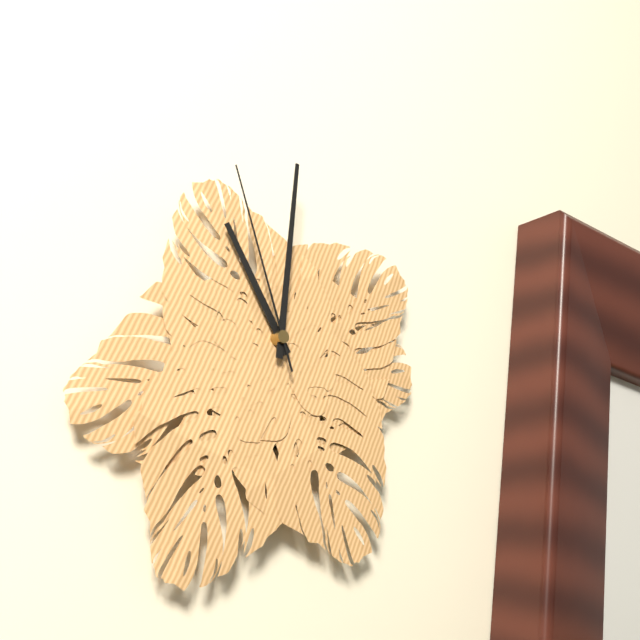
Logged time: 11:01:57
